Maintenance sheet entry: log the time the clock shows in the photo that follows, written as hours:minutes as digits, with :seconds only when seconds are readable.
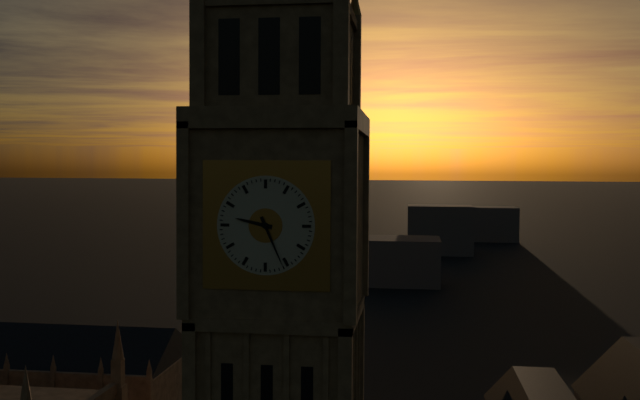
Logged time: 9:26
